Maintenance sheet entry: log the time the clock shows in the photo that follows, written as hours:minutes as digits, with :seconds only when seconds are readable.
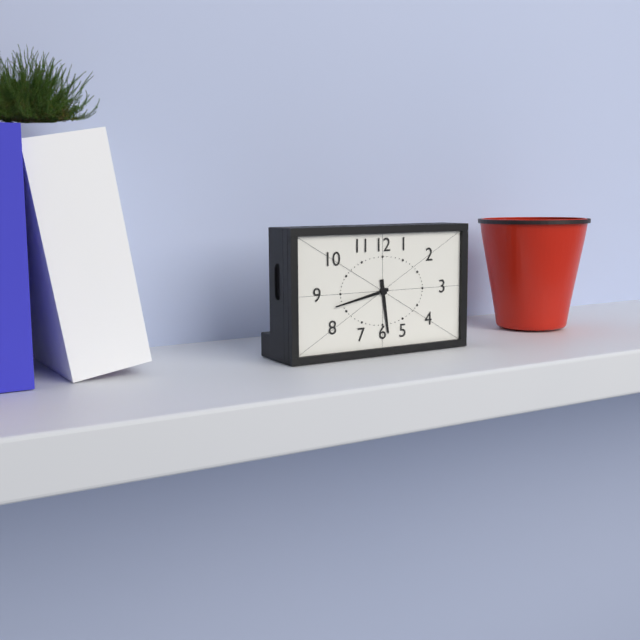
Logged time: 5:43
